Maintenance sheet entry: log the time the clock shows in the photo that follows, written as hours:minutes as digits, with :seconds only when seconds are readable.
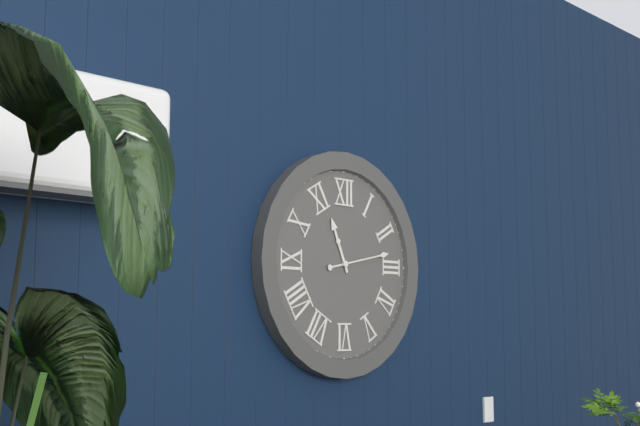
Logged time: 11:13
